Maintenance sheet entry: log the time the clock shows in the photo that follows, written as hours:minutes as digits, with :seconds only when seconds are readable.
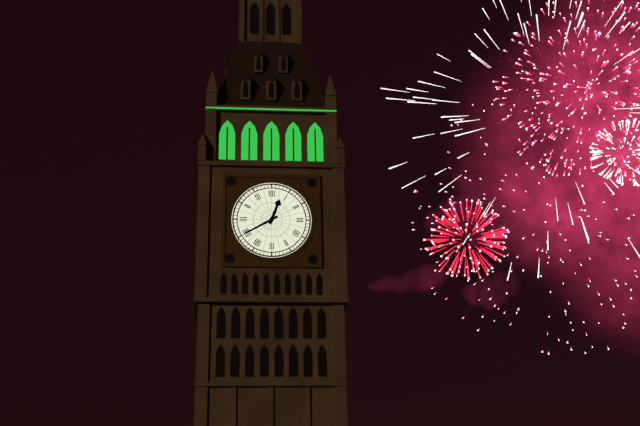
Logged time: 12:40
